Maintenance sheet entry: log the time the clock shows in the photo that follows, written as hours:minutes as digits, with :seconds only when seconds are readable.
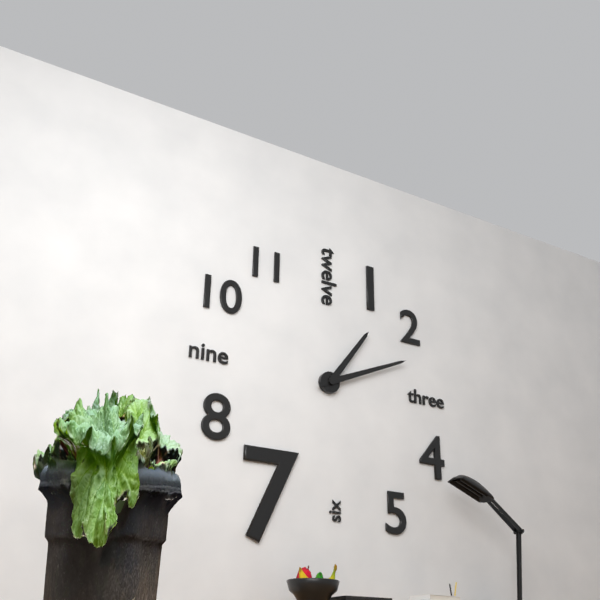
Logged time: 1:11
